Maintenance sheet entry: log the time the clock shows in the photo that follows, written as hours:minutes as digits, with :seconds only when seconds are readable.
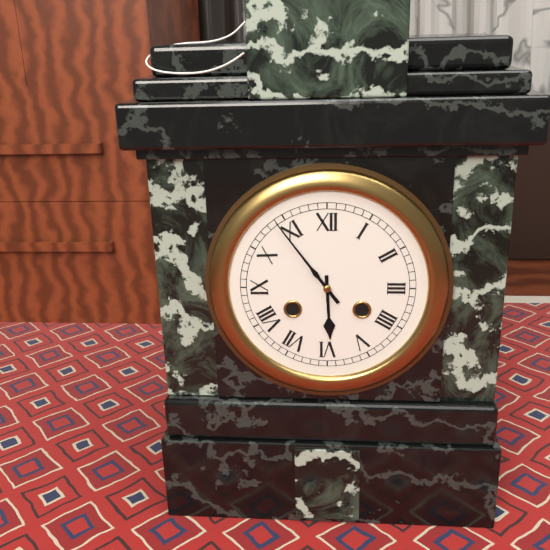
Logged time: 5:54
